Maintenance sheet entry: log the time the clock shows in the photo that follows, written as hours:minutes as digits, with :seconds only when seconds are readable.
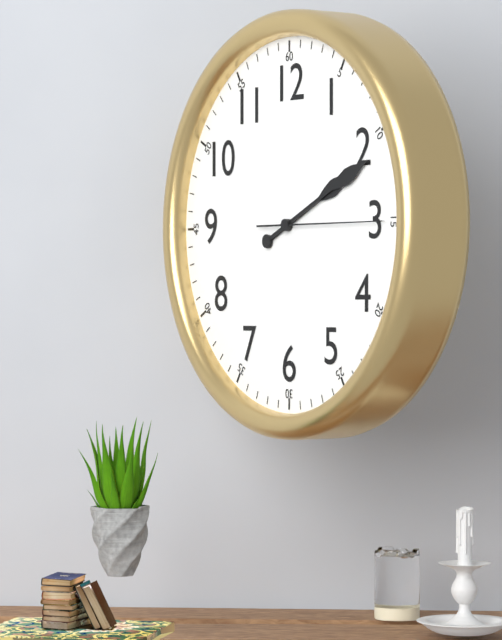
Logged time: 2:11:15
